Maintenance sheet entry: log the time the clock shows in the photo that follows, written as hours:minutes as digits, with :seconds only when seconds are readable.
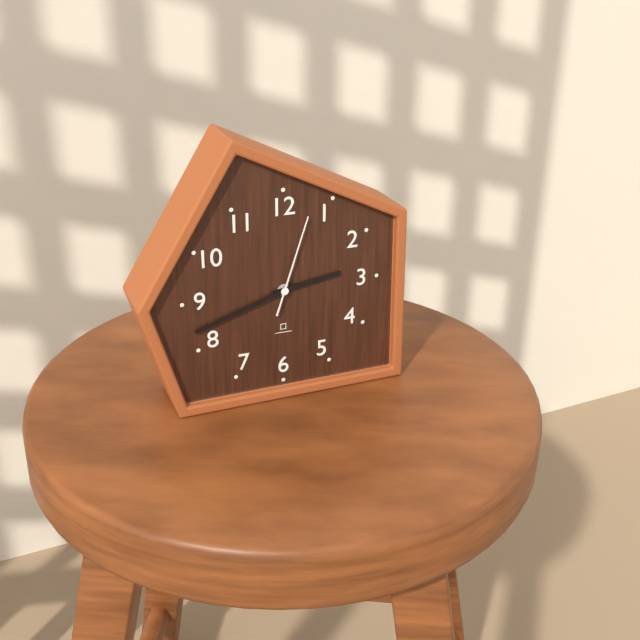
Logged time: 2:42:03
